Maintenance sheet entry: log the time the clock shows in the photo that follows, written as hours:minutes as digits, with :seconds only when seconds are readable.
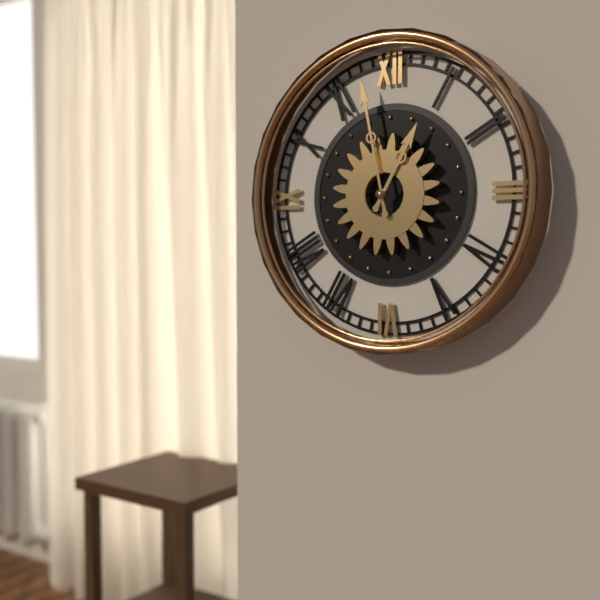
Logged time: 12:58
